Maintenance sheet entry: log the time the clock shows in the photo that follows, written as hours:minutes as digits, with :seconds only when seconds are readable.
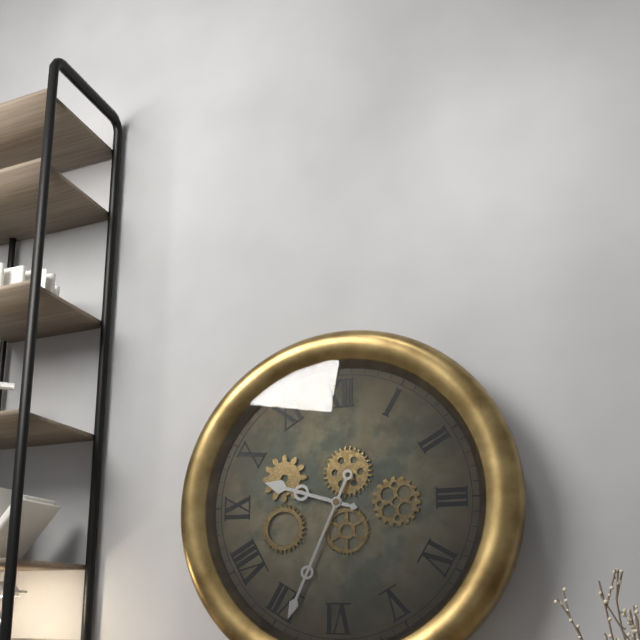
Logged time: 9:34
